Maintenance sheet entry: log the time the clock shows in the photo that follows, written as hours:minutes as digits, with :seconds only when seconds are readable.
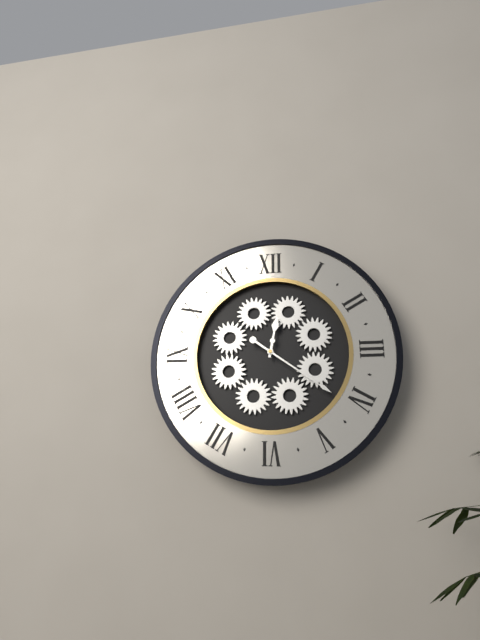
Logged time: 12:21
